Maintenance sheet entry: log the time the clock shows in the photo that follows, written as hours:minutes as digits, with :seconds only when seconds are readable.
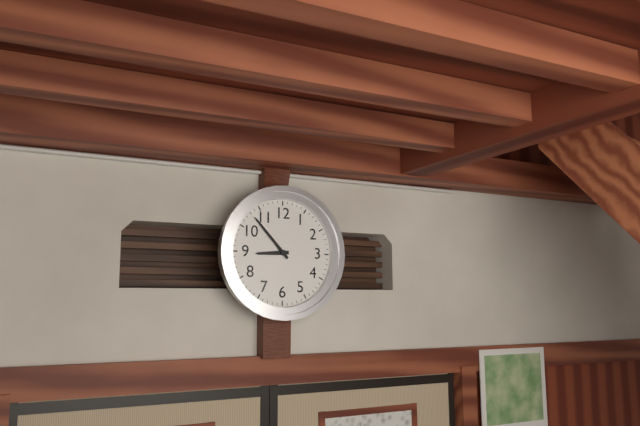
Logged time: 8:53
